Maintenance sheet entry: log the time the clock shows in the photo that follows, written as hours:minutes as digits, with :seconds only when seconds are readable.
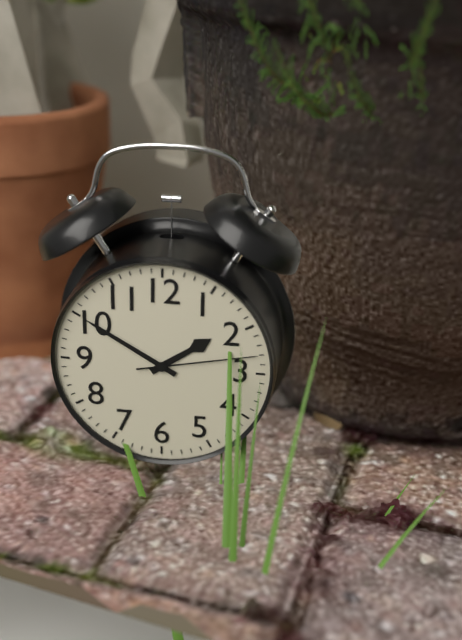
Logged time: 1:50:13
